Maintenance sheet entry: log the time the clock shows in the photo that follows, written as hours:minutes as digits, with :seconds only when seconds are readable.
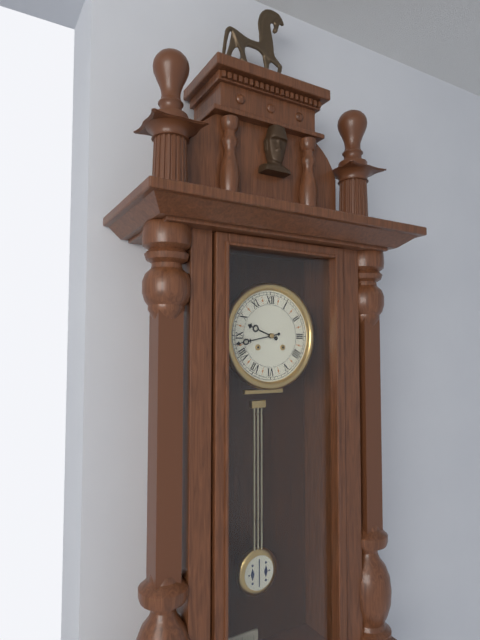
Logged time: 9:43
